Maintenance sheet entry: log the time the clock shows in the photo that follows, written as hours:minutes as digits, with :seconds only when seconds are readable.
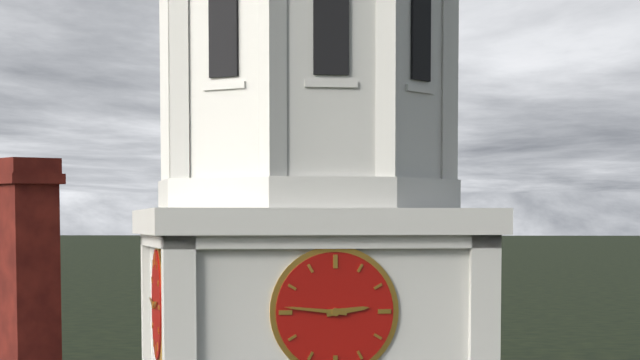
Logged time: 2:46
